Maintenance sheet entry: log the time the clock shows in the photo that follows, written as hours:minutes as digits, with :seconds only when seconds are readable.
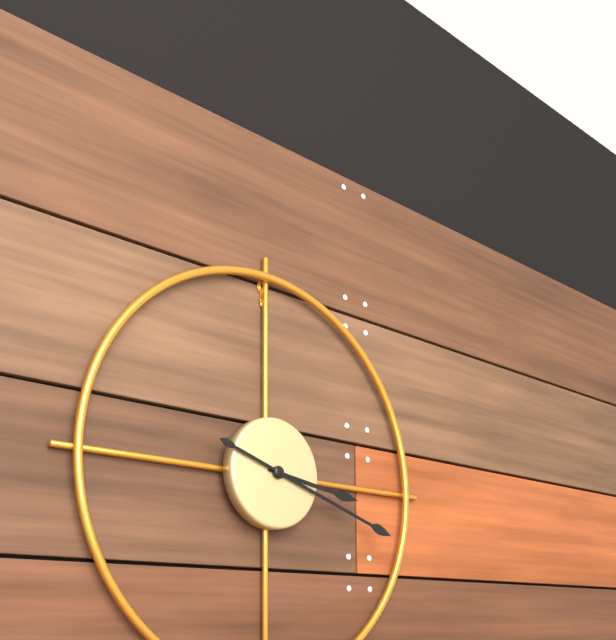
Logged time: 3:18
